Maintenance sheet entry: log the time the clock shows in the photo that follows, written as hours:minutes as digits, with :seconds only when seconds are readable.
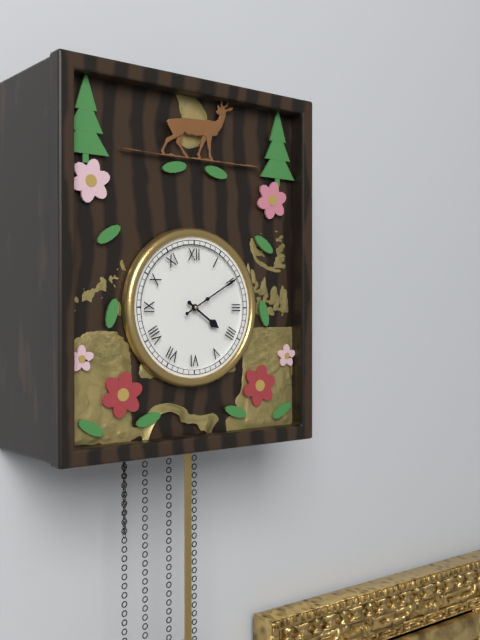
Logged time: 4:10
